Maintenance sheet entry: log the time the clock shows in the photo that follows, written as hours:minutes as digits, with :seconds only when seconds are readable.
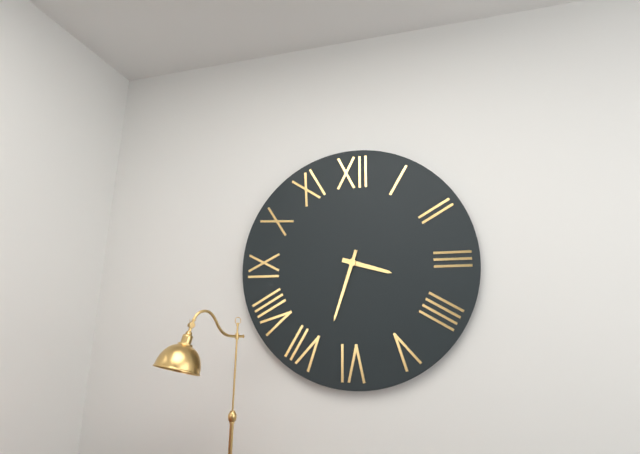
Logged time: 3:33
